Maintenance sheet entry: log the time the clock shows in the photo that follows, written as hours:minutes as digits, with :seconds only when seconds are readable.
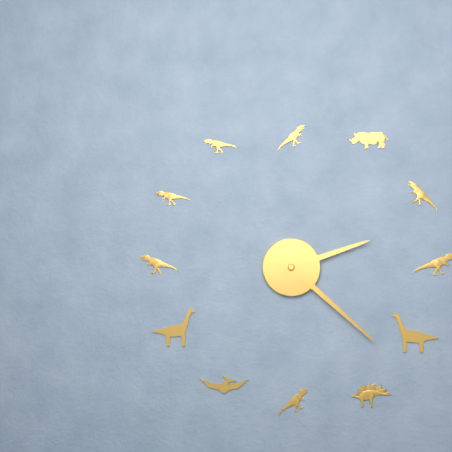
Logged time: 2:22
